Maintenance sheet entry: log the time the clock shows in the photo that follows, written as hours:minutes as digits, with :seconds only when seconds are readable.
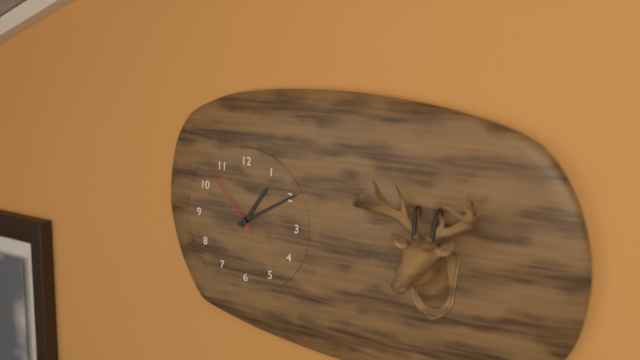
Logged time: 1:10:53
